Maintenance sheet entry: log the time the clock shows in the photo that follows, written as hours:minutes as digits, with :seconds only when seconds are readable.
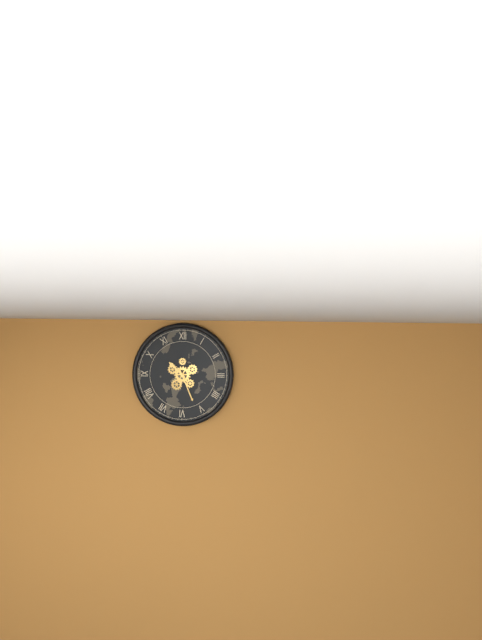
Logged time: 10:26
